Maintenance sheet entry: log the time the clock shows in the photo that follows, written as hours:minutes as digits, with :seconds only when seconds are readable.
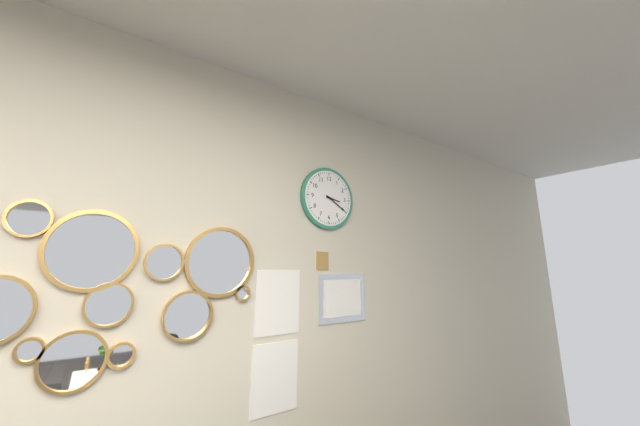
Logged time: 3:20
